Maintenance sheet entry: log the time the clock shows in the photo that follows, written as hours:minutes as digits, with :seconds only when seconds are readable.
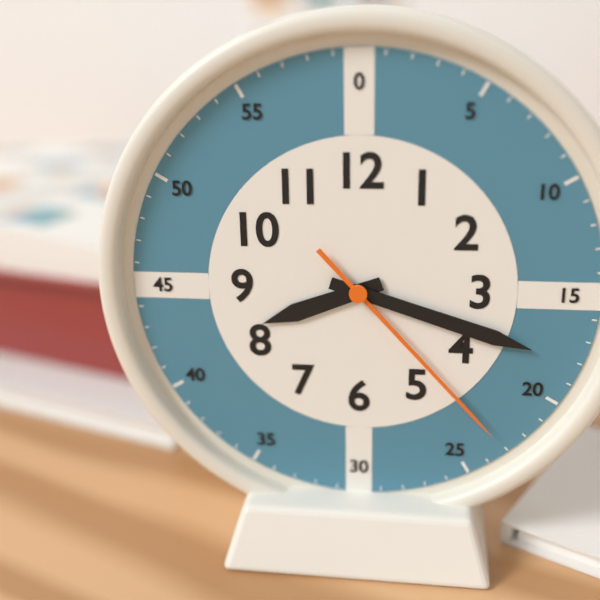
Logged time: 8:18:23
